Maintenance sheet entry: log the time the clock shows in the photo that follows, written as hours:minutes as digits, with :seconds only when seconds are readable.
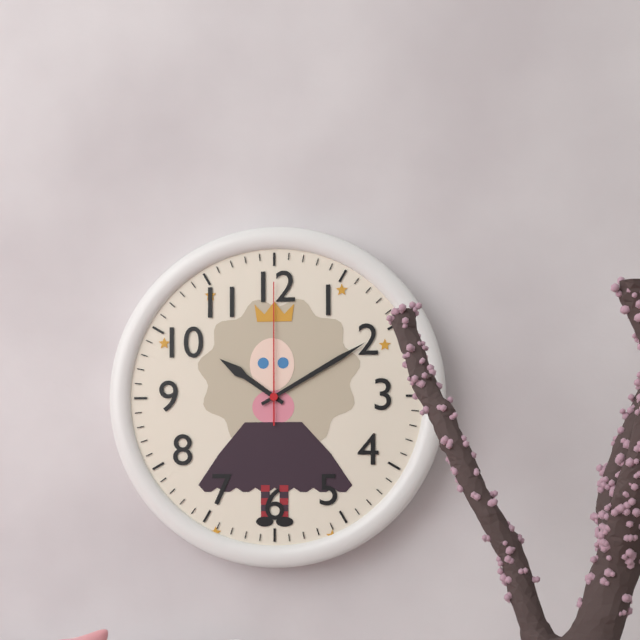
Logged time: 10:10:00
